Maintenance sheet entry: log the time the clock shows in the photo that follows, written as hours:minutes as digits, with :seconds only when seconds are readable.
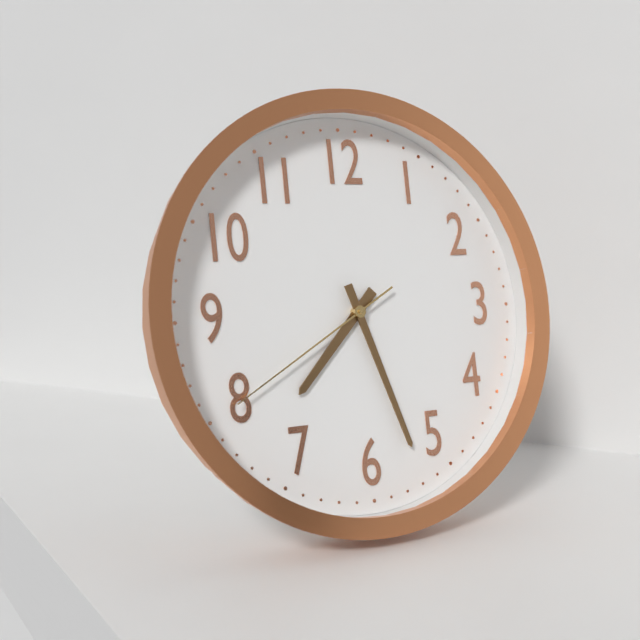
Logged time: 7:27:40
